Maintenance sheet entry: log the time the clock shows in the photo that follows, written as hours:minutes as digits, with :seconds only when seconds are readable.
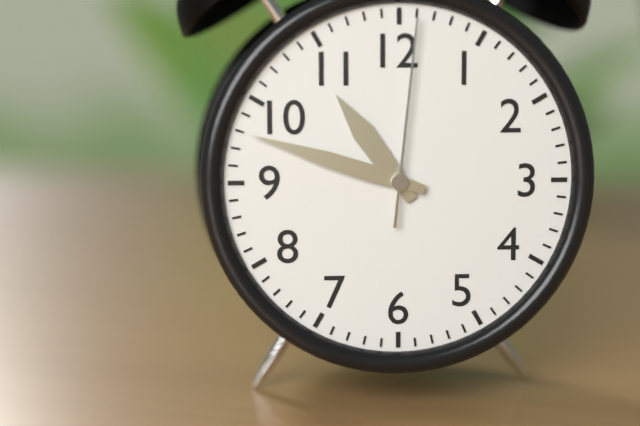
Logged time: 10:48:01
